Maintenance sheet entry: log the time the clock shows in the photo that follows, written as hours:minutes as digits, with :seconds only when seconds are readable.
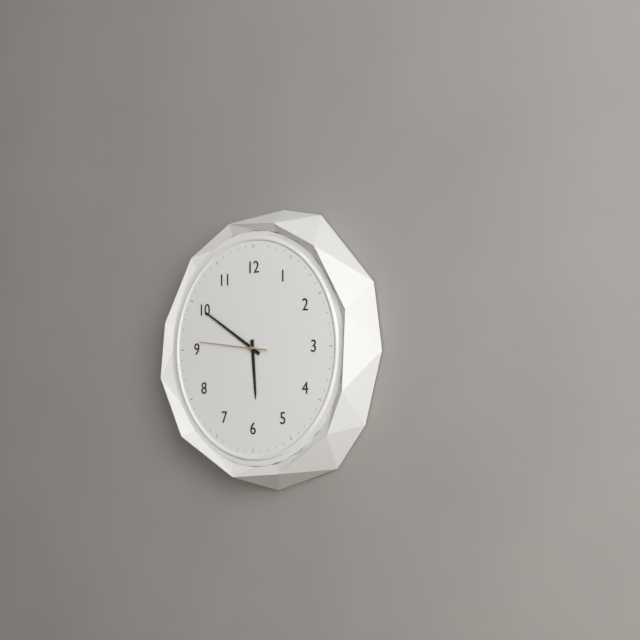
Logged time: 5:50:46
